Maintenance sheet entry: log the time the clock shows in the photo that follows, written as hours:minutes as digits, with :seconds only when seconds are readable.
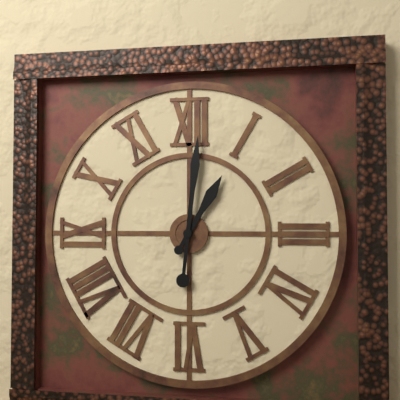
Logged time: 1:01
